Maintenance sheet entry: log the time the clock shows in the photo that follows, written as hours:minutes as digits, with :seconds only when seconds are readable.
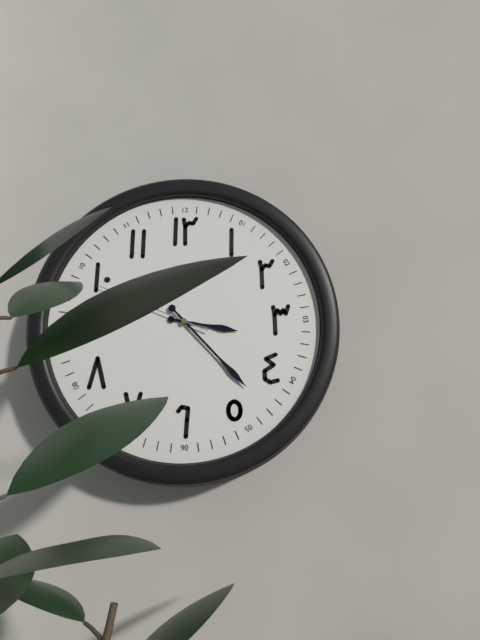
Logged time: 3:23
